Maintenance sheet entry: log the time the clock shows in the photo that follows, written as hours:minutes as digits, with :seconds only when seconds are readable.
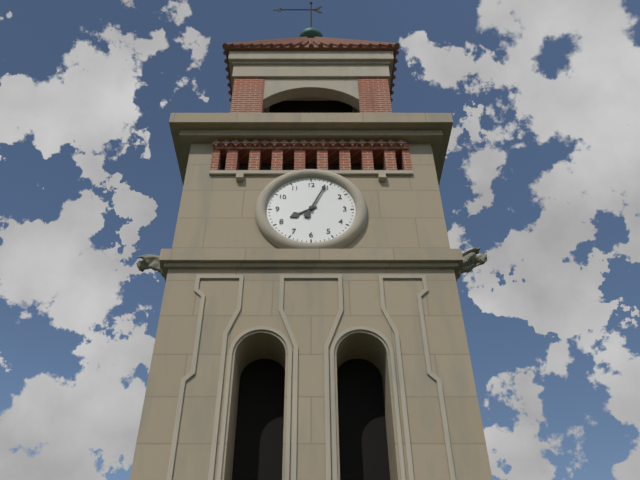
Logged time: 8:04
